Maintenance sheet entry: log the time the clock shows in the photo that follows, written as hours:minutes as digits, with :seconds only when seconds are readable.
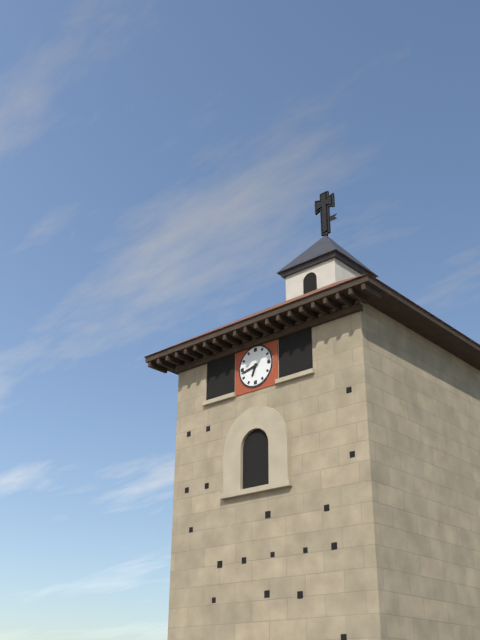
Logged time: 6:43
